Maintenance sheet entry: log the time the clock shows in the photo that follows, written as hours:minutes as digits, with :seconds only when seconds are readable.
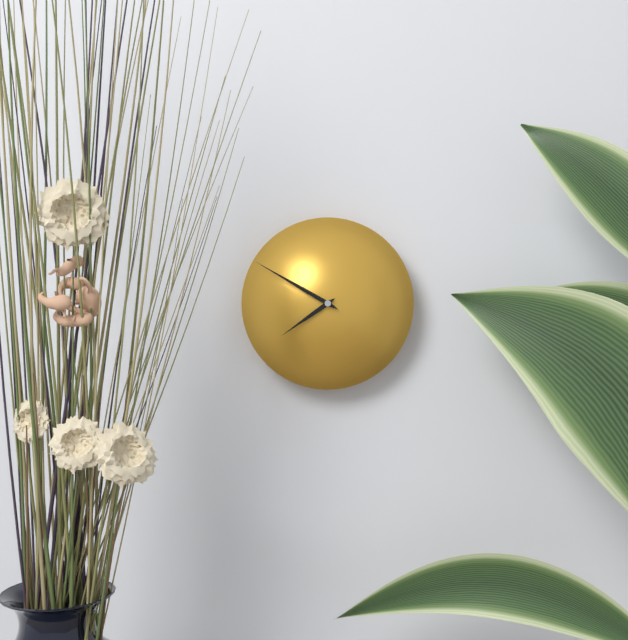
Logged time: 7:50
